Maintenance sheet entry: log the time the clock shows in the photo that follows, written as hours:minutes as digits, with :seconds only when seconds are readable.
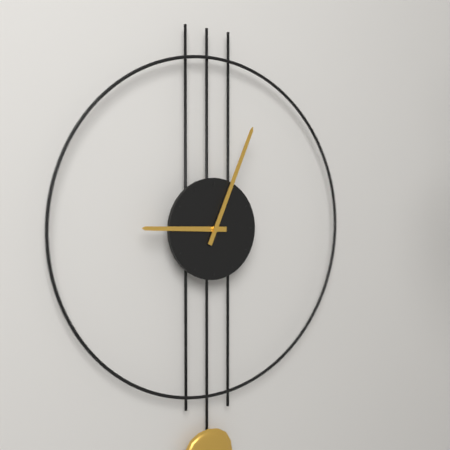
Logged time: 9:04
